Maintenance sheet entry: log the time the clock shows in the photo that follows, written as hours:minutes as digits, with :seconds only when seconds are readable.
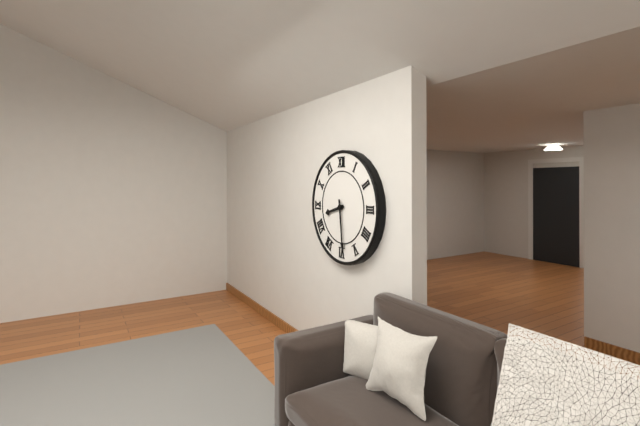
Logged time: 8:29
